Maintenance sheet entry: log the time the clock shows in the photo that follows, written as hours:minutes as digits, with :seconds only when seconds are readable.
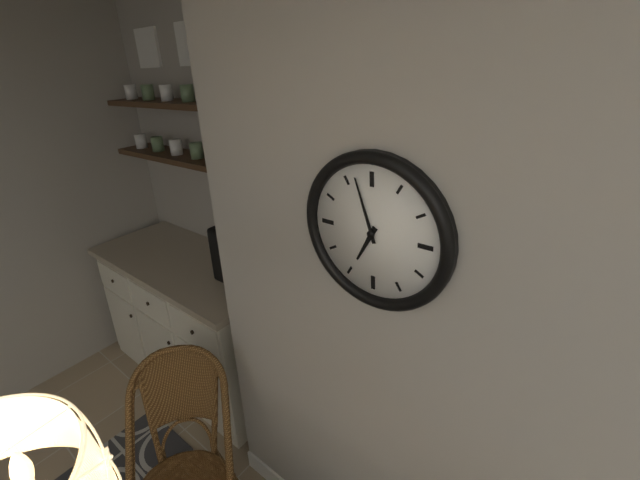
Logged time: 6:57
